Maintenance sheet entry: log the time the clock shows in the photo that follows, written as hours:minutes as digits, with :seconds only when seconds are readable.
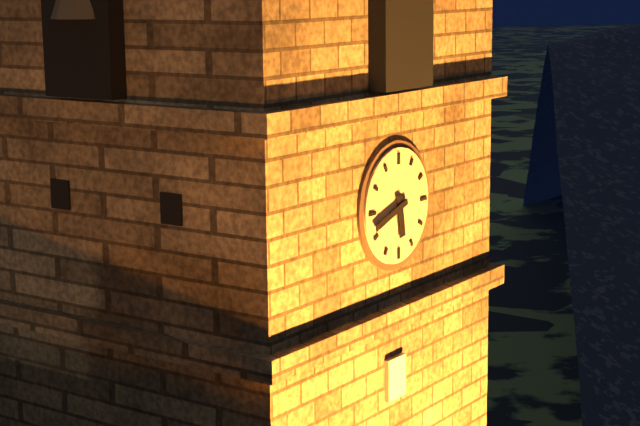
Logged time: 5:42
